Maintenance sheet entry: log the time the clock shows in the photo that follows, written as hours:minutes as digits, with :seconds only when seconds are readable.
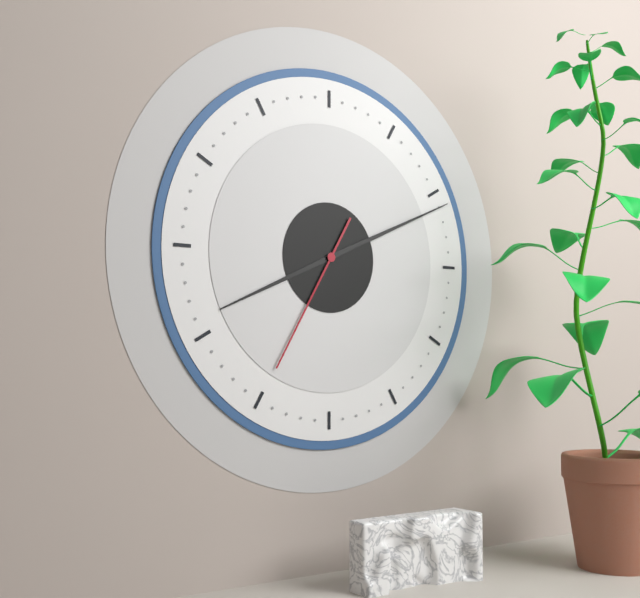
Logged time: 8:11:35
